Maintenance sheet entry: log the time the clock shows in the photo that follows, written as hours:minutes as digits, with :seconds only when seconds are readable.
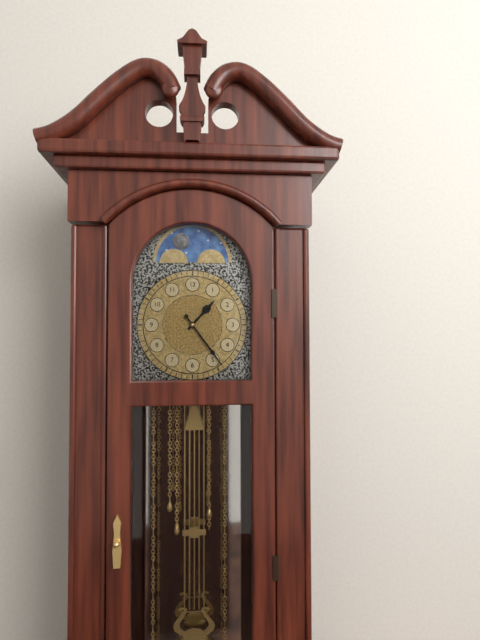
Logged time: 1:24
